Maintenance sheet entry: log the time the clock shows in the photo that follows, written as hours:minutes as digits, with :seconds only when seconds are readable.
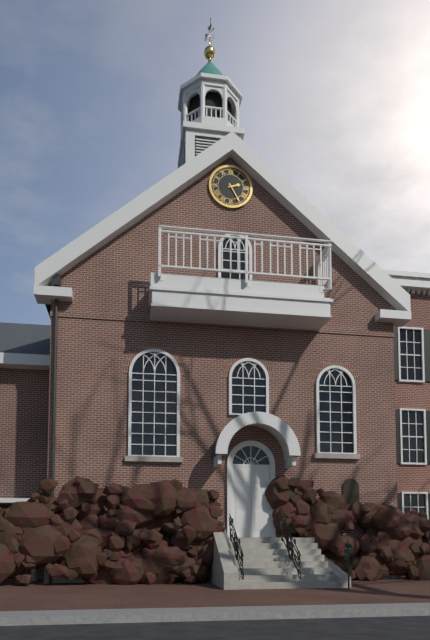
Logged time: 2:25
